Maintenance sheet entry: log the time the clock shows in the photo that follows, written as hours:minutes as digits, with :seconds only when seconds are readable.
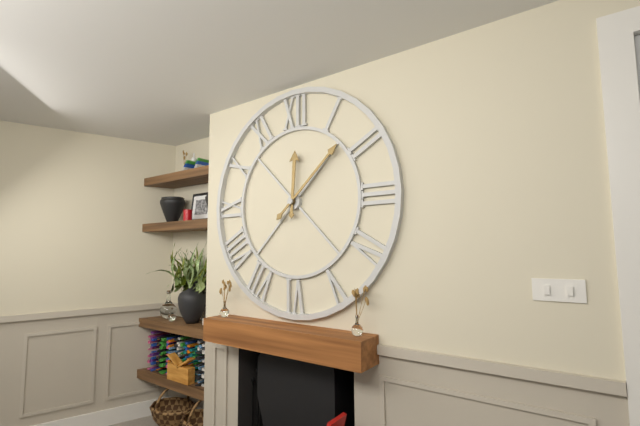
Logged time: 12:08
